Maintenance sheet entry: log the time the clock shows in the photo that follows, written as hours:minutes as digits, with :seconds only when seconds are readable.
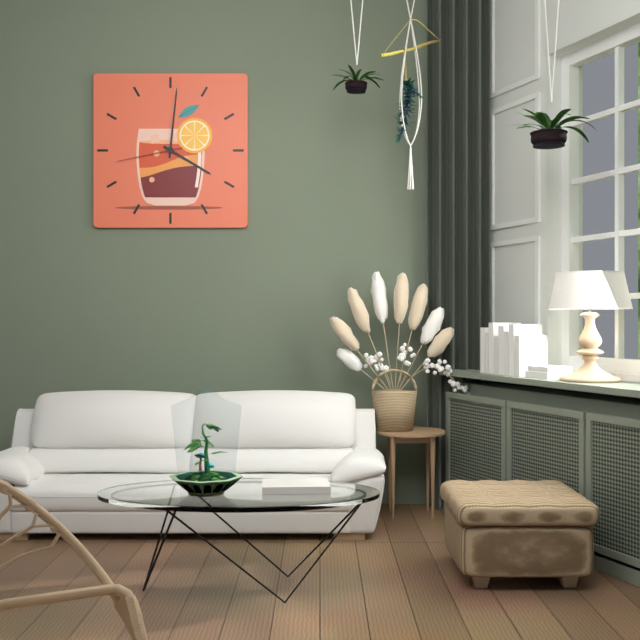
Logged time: 4:01:43
